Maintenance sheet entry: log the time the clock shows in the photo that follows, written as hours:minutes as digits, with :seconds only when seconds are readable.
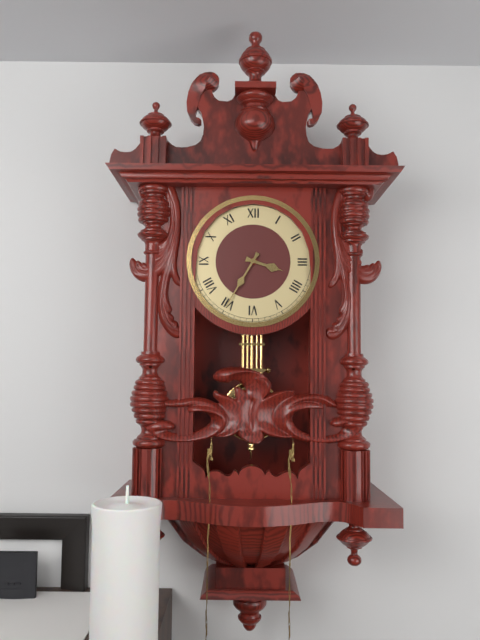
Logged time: 3:35
